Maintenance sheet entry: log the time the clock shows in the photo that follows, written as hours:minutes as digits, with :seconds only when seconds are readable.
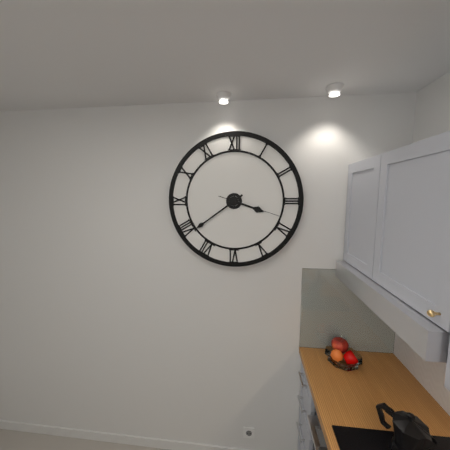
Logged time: 3:39:18
